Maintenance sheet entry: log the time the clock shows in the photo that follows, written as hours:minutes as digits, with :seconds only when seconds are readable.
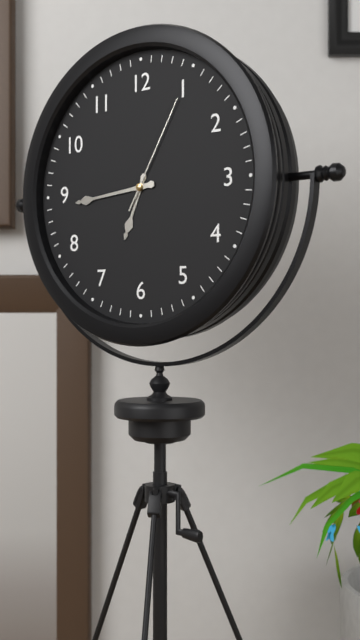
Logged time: 6:44:05
